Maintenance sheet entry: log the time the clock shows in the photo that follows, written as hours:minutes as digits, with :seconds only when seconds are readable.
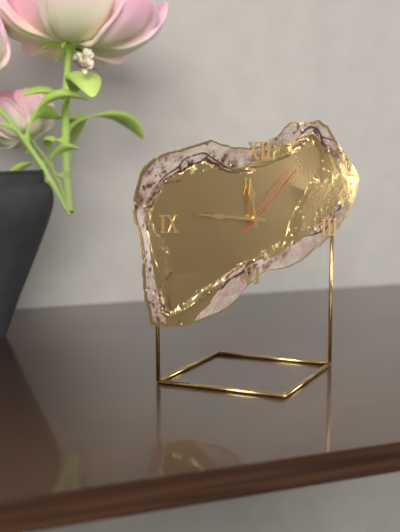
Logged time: 11:46:07
